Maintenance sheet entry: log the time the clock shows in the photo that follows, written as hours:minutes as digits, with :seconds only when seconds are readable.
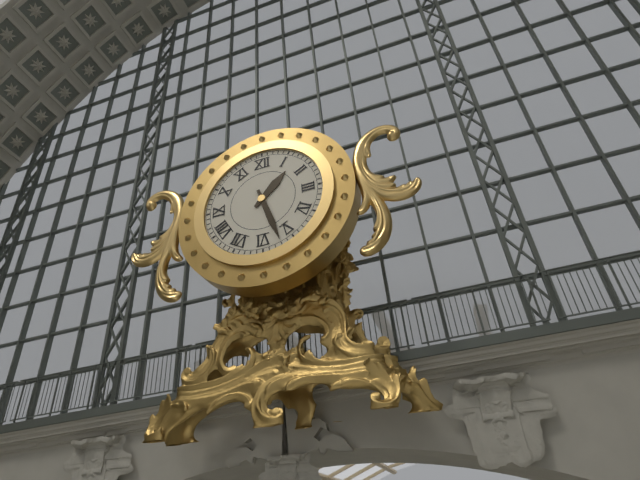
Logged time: 1:27
